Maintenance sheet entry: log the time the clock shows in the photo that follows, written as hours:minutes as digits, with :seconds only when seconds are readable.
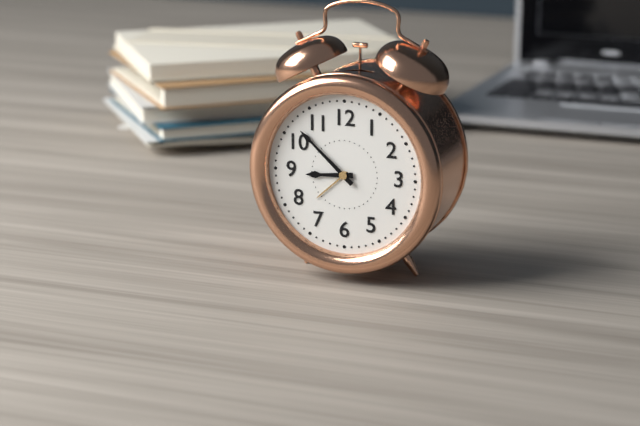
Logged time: 8:52
